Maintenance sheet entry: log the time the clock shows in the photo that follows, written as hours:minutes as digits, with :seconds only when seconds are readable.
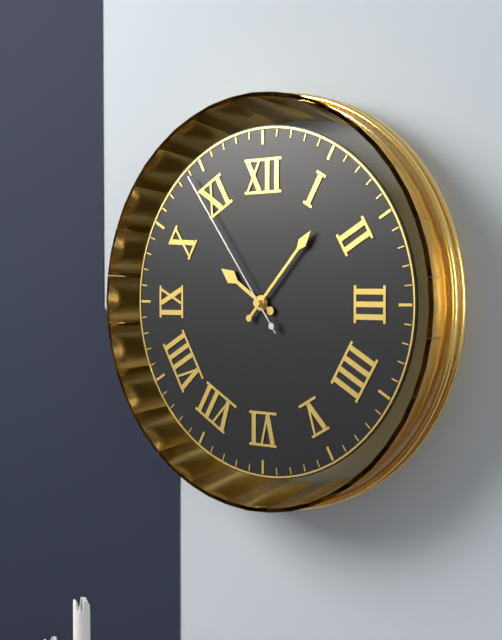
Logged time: 10:07:54
